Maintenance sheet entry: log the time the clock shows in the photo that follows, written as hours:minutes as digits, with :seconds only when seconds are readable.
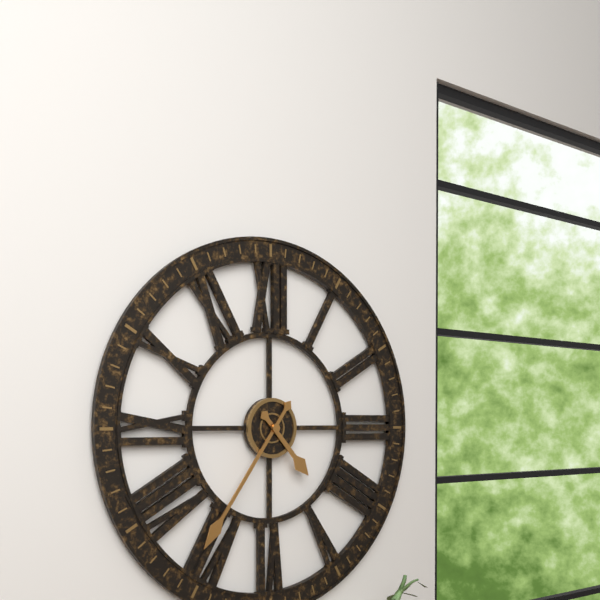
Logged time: 4:36
